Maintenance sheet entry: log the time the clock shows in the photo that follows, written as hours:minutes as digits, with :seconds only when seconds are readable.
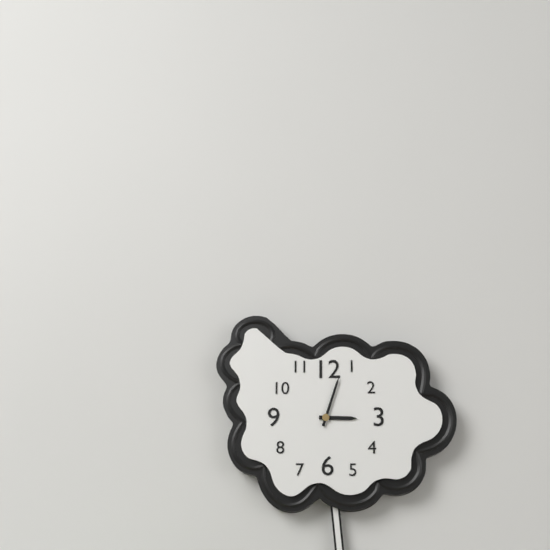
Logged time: 3:03
